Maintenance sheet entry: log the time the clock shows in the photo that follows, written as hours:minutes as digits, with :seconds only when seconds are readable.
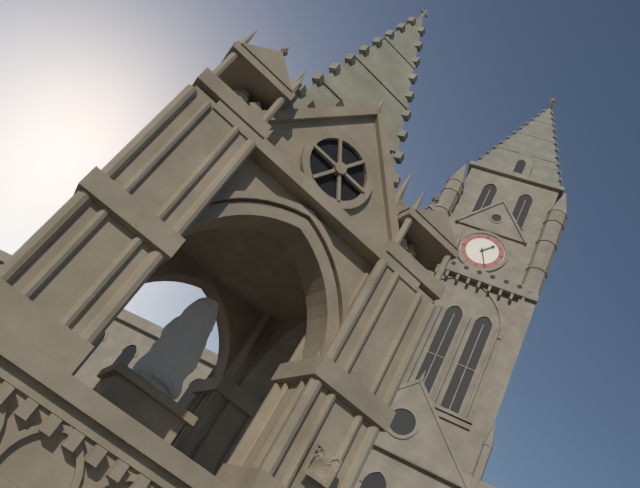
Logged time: 1:26
